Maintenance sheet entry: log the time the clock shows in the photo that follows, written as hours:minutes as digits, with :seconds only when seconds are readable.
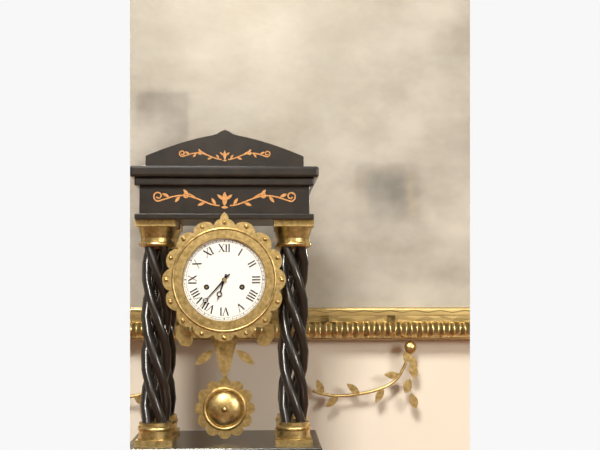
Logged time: 6:37
